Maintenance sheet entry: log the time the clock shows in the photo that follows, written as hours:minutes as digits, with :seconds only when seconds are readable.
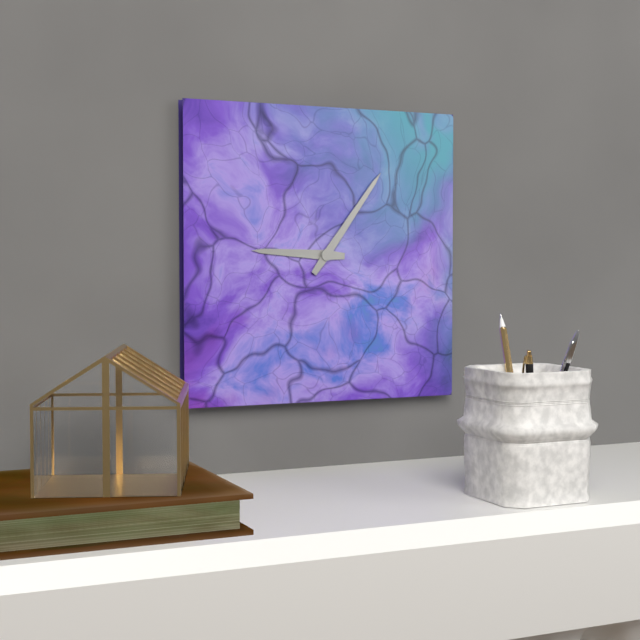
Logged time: 9:06
